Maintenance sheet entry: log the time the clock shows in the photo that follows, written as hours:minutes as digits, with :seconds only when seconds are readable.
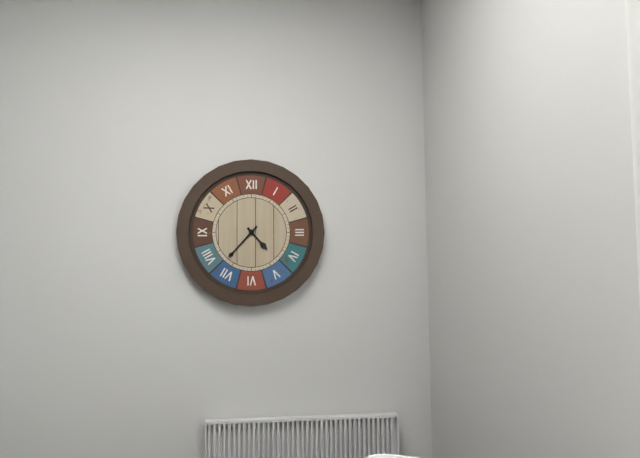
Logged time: 4:37
